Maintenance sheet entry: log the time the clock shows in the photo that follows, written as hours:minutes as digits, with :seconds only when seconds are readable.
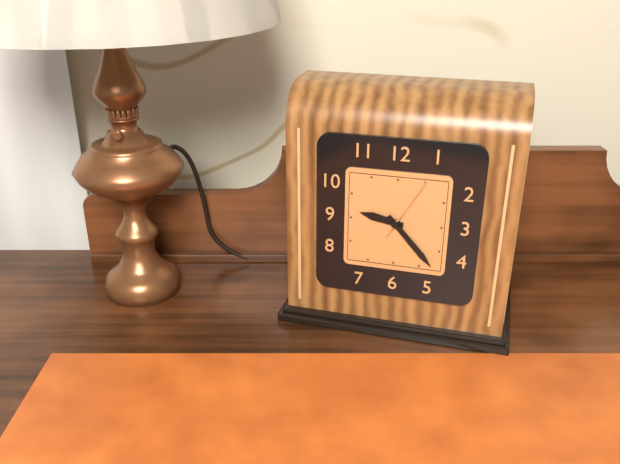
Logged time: 9:23:05
